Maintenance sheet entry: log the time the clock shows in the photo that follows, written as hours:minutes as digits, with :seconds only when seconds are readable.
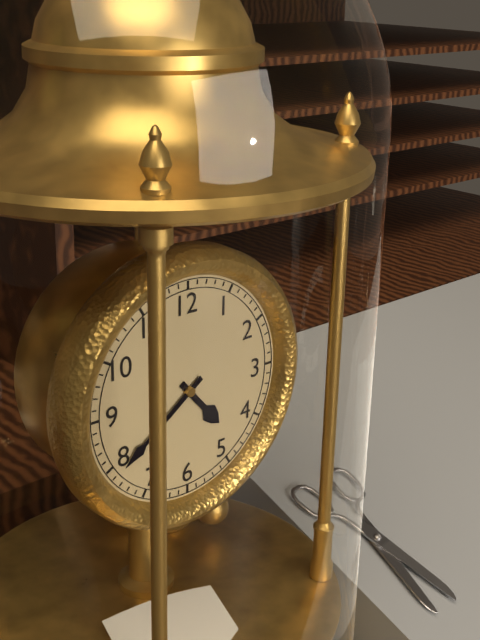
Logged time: 4:39
